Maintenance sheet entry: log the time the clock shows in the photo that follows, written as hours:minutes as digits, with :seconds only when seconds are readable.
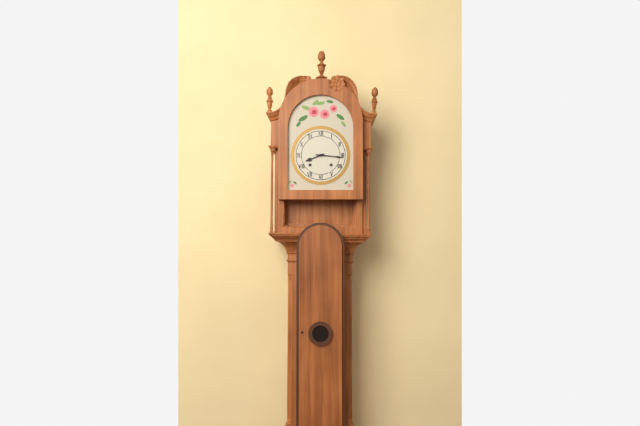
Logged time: 8:16
